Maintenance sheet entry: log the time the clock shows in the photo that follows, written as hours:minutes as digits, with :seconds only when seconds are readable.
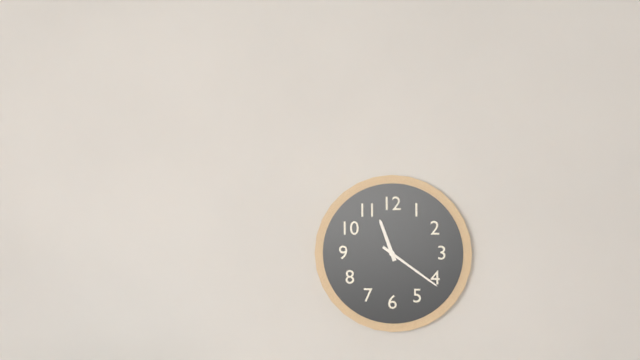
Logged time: 11:21
